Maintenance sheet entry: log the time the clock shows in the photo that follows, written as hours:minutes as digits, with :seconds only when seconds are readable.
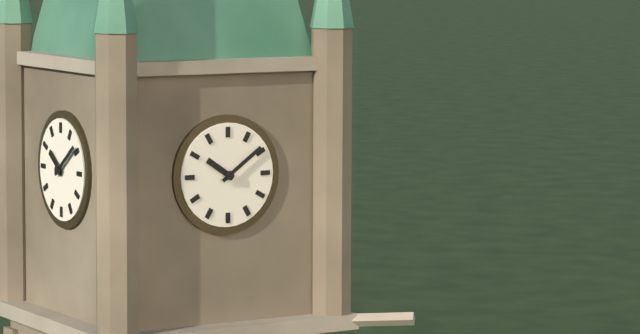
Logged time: 10:09
